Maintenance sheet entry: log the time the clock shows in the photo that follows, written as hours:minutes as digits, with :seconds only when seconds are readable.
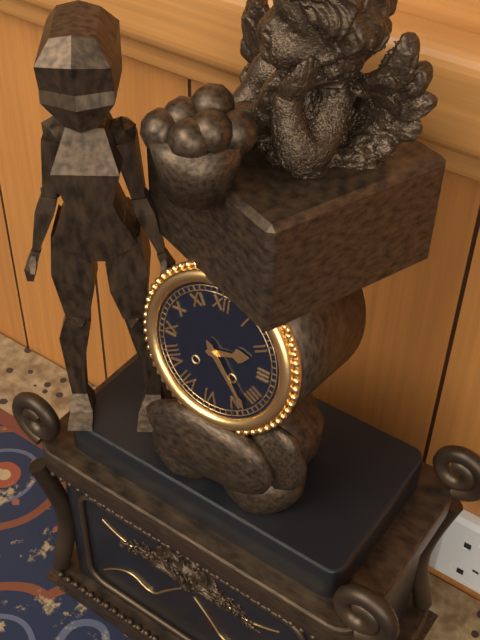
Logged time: 2:23
